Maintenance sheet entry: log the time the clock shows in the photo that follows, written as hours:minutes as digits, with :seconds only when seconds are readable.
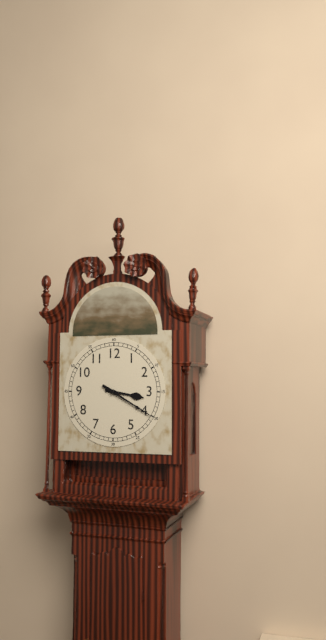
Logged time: 3:20
